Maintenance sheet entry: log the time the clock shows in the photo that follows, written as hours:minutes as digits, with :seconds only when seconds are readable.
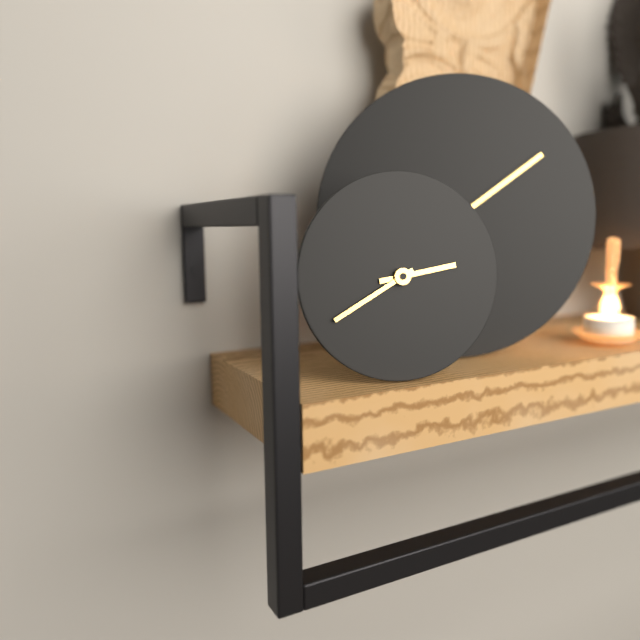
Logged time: 2:40
